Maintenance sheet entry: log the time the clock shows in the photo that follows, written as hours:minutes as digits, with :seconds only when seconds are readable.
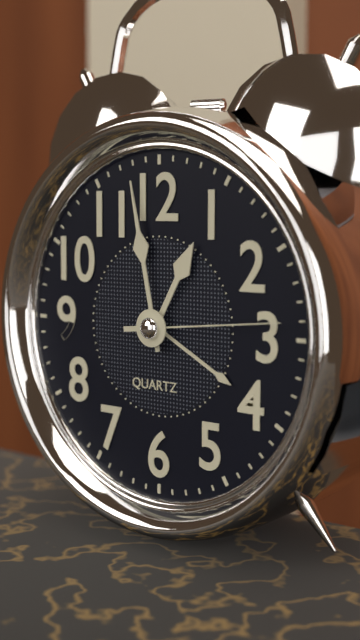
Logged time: 12:58:14
